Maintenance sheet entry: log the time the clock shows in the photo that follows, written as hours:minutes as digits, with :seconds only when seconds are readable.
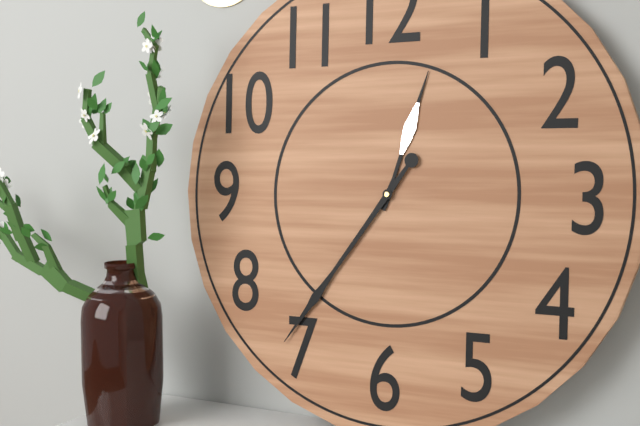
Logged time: 12:36
